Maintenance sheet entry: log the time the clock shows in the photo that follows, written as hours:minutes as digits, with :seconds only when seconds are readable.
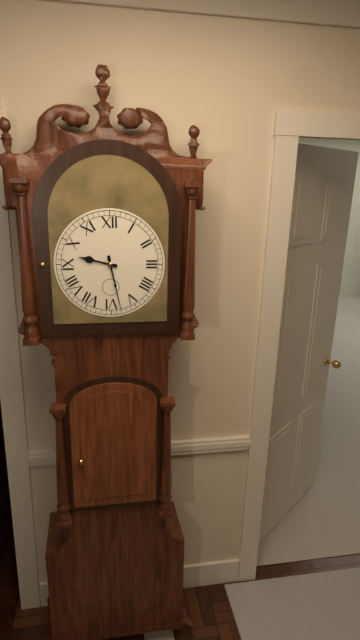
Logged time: 9:28
